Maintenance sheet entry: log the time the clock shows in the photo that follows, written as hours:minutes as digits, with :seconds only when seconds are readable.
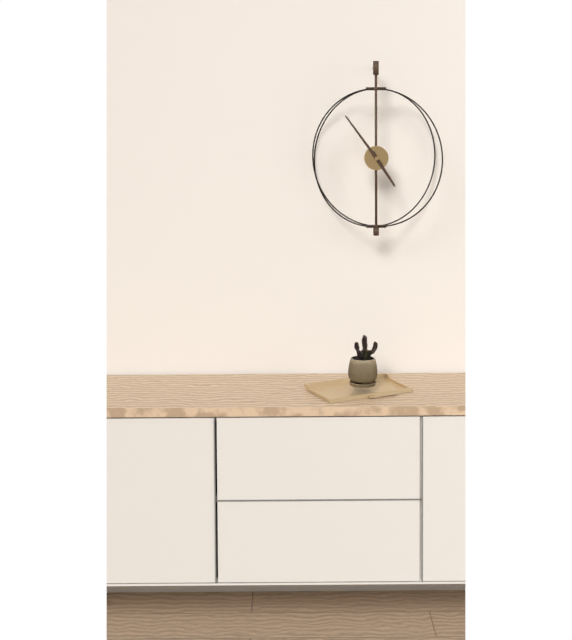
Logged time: 4:54
